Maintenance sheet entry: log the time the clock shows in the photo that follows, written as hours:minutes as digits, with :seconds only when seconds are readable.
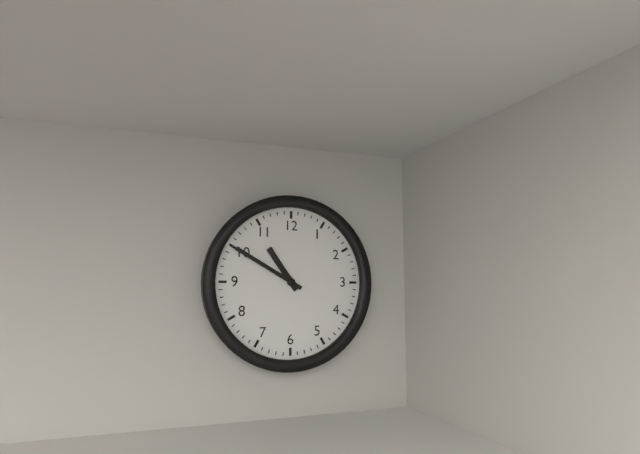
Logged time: 10:50
